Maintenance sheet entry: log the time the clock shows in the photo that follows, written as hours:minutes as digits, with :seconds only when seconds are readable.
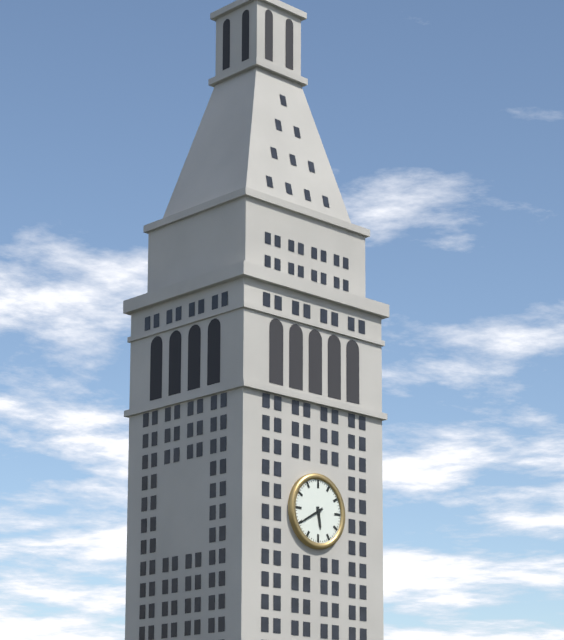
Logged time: 5:40
